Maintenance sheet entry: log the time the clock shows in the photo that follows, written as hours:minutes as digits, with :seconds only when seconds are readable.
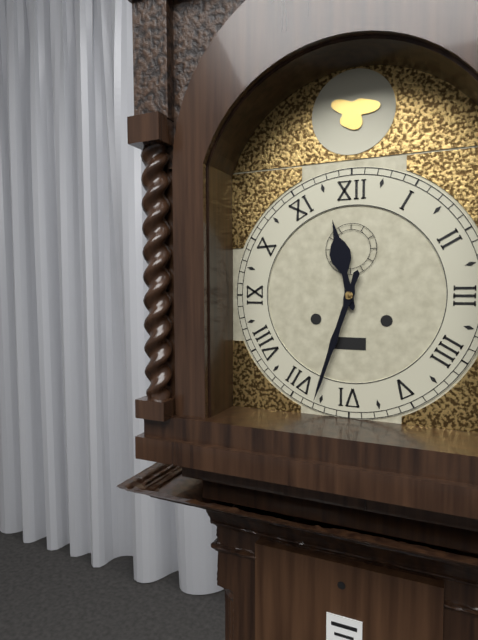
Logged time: 11:33
